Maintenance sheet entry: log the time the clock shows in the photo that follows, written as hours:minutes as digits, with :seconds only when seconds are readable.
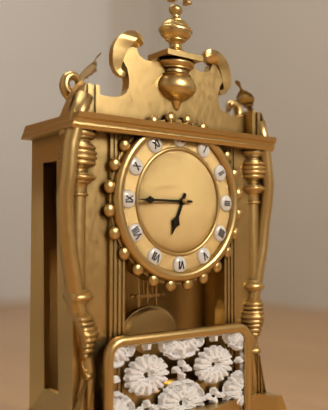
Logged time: 6:45
